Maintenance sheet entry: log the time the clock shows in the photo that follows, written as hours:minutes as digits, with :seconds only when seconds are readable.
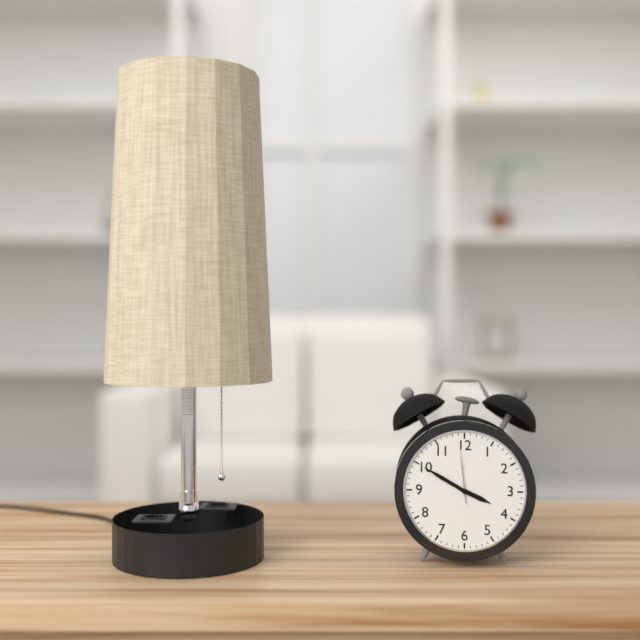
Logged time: 3:50:59
